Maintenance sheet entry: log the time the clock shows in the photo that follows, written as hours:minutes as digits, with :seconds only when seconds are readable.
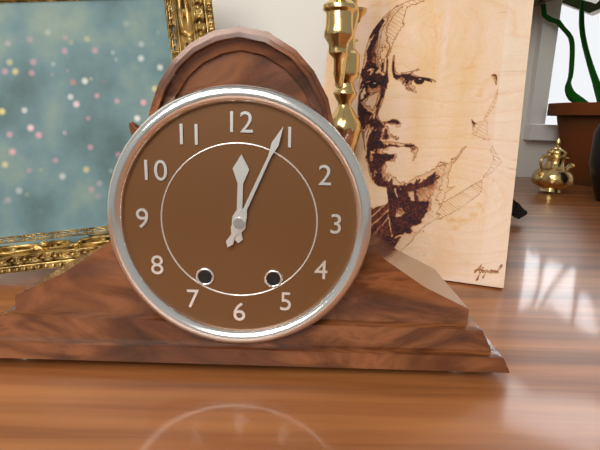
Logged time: 12:04
